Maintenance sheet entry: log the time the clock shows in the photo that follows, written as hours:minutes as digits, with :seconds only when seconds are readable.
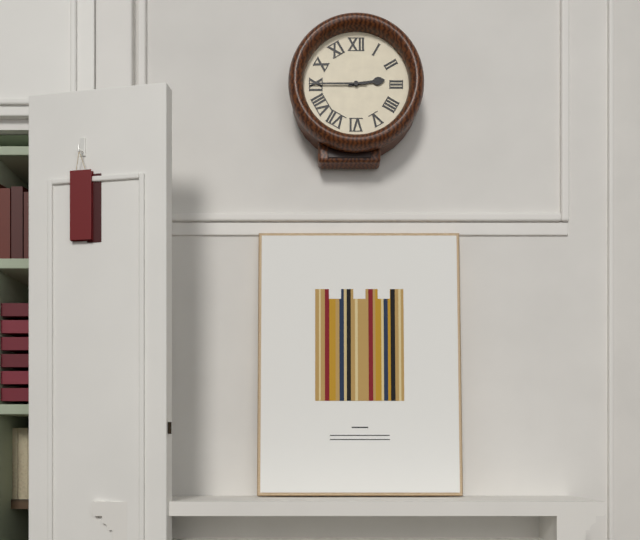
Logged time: 2:45
